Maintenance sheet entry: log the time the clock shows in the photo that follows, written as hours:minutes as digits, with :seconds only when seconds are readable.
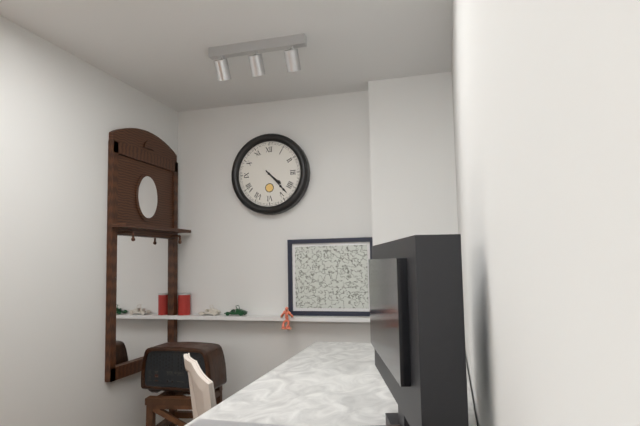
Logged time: 4:23
